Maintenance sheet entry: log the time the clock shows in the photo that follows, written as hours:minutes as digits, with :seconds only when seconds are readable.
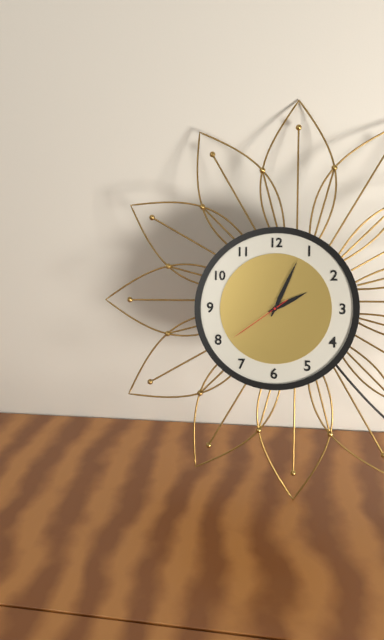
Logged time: 2:04:39
